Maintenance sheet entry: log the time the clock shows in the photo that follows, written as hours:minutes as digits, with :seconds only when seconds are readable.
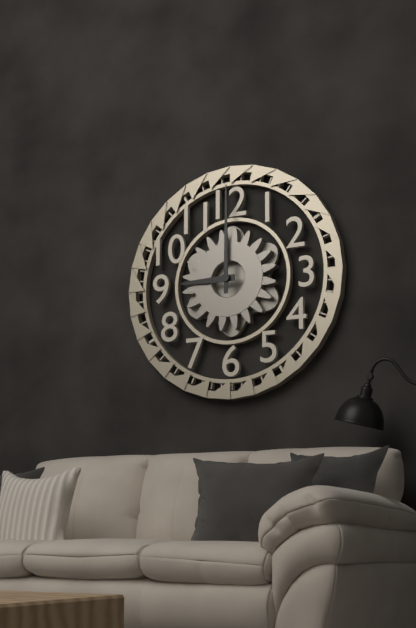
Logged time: 9:00
